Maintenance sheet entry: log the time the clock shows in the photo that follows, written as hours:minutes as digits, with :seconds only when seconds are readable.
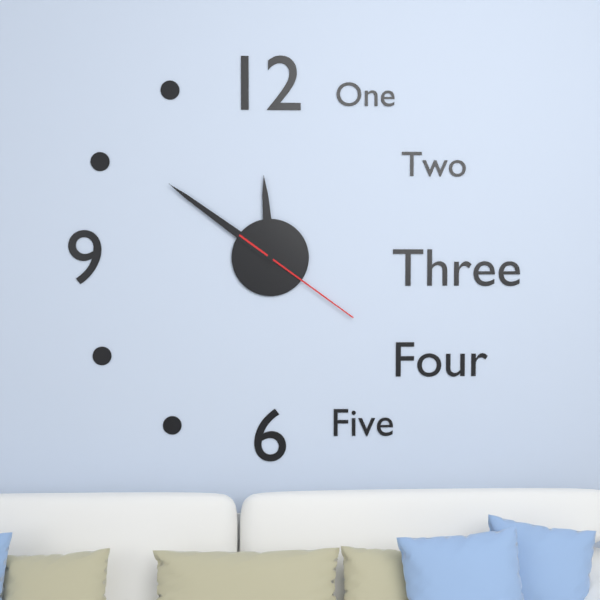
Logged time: 11:51:21
